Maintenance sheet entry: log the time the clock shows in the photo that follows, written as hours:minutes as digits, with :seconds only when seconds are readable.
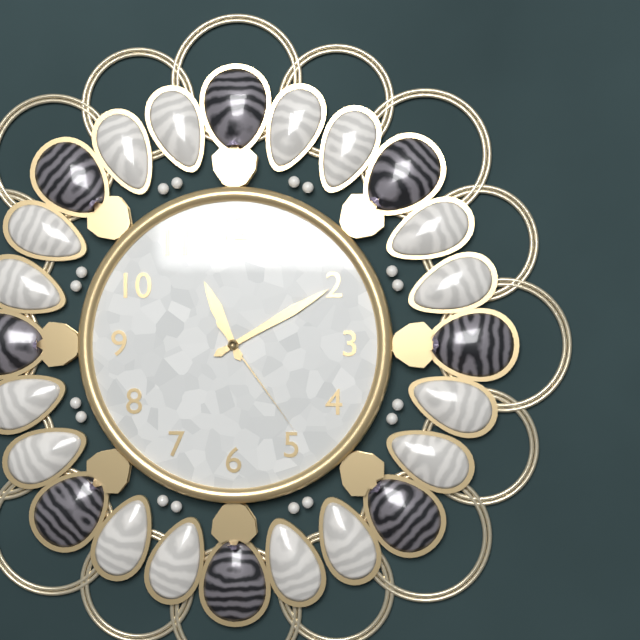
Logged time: 11:10:24
